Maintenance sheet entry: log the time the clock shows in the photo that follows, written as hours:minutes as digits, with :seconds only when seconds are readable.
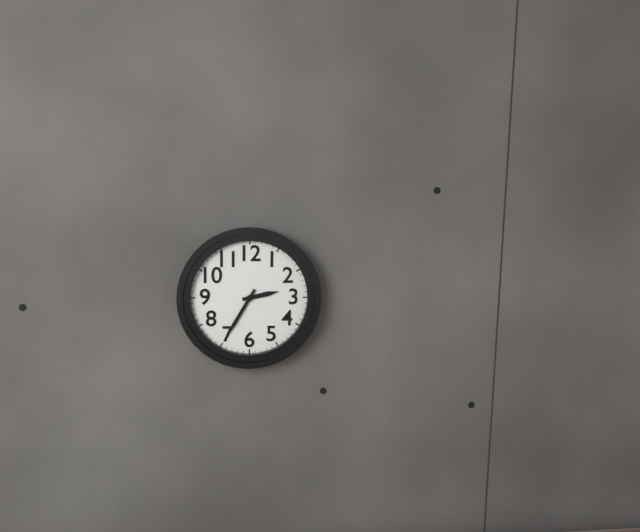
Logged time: 2:35
